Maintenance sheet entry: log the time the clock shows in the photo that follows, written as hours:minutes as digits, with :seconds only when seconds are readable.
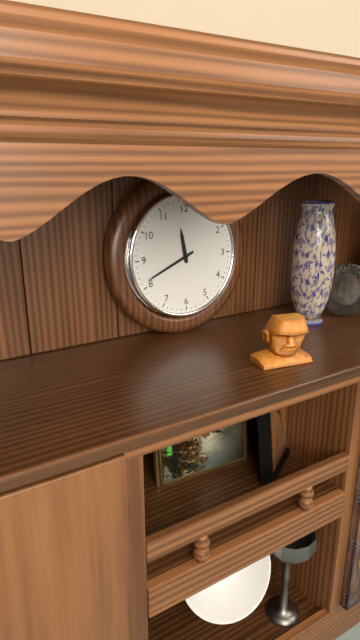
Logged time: 11:41
